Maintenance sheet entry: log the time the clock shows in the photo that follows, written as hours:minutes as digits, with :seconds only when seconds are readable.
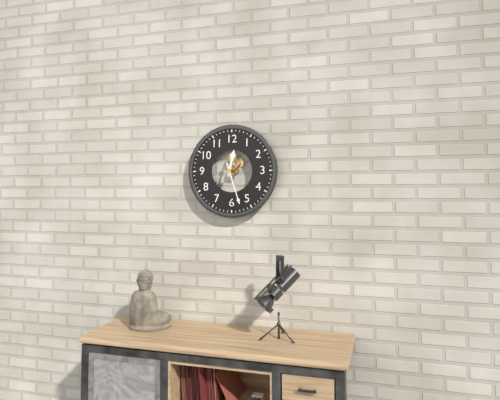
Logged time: 12:27
